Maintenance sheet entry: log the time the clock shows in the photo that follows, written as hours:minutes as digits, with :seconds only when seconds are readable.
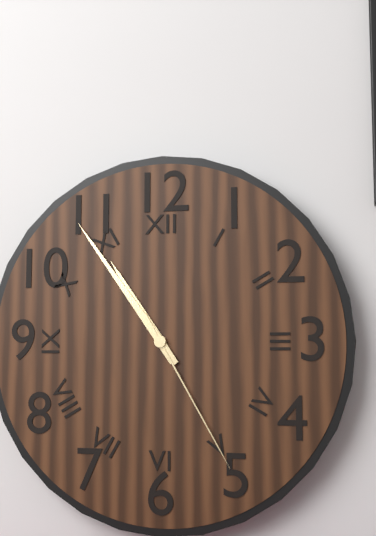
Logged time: 10:54:25
